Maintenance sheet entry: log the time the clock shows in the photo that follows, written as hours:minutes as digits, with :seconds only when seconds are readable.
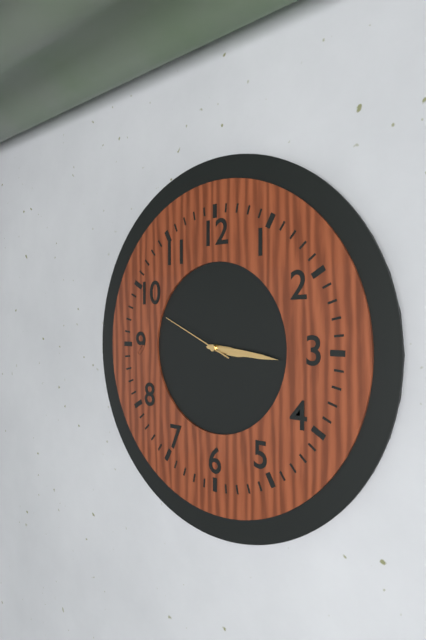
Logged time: 3:16:49
